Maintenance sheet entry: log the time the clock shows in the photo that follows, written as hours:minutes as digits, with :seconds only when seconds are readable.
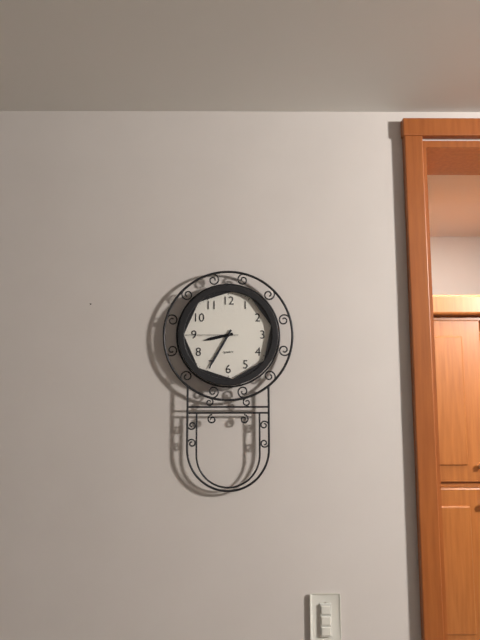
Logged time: 8:35:45
